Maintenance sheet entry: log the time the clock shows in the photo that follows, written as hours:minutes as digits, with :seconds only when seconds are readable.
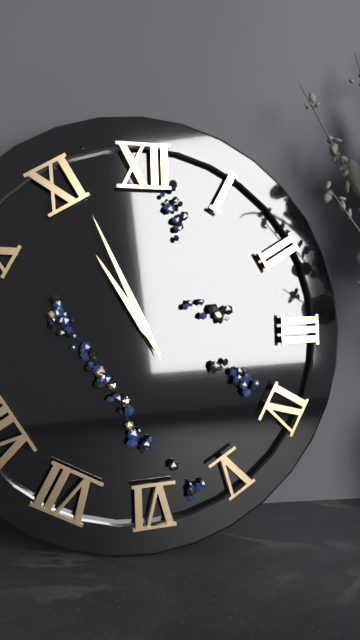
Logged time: 10:56
